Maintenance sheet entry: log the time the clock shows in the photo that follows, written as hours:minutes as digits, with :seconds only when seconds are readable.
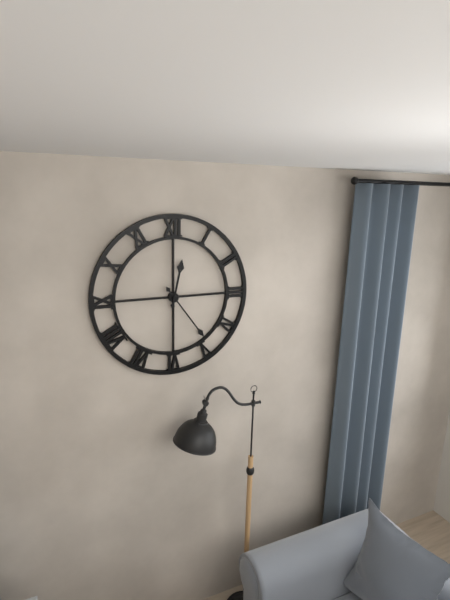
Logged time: 12:24
